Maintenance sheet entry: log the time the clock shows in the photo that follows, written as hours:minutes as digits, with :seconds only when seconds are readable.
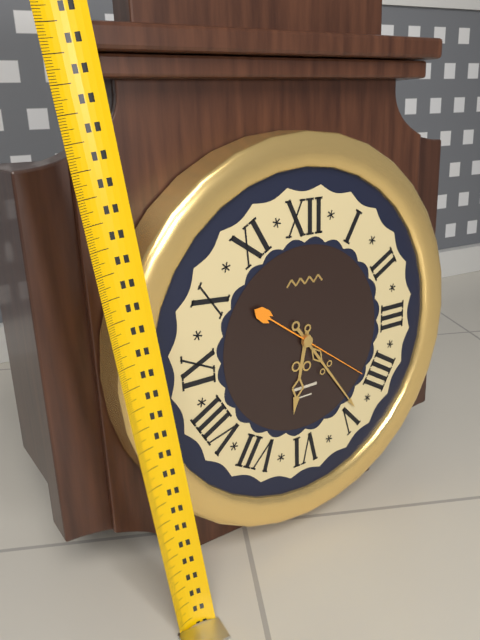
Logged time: 6:24:21
